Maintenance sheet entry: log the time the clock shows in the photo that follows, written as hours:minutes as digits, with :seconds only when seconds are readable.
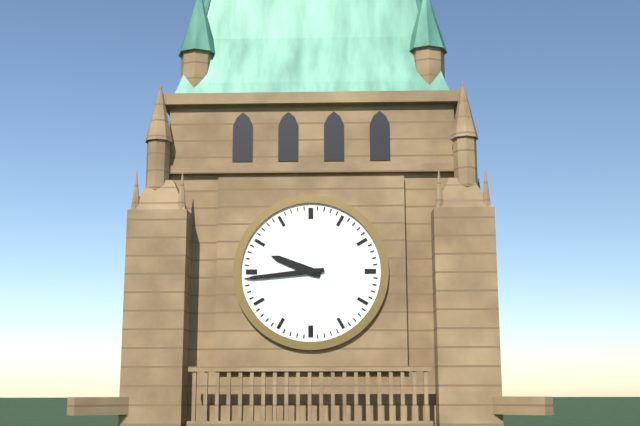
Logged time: 9:44
